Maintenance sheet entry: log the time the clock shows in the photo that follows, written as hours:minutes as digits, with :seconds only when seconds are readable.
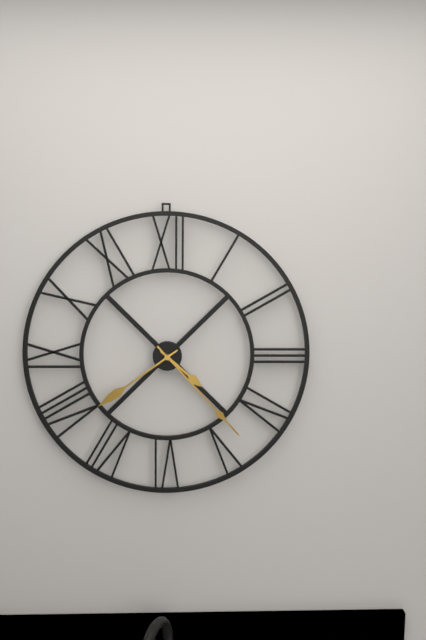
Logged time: 4:23:39
